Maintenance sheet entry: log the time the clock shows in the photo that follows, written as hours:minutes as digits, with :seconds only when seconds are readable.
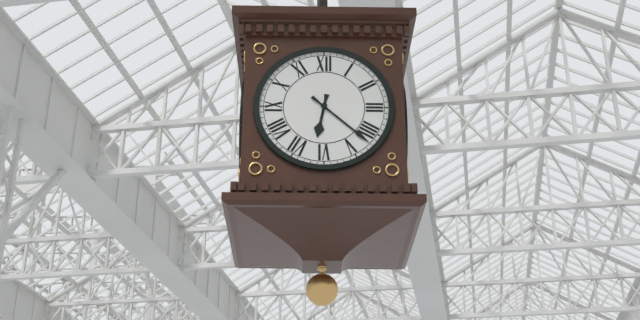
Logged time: 6:22
